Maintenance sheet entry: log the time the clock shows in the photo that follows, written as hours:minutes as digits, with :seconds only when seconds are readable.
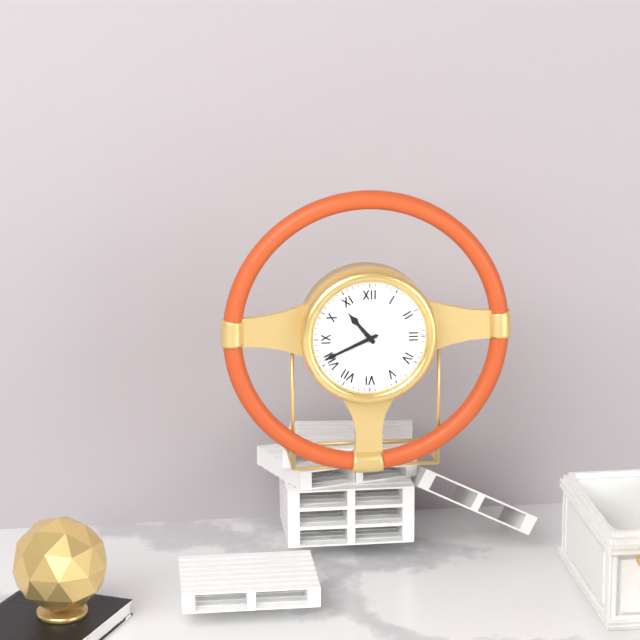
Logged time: 10:41
